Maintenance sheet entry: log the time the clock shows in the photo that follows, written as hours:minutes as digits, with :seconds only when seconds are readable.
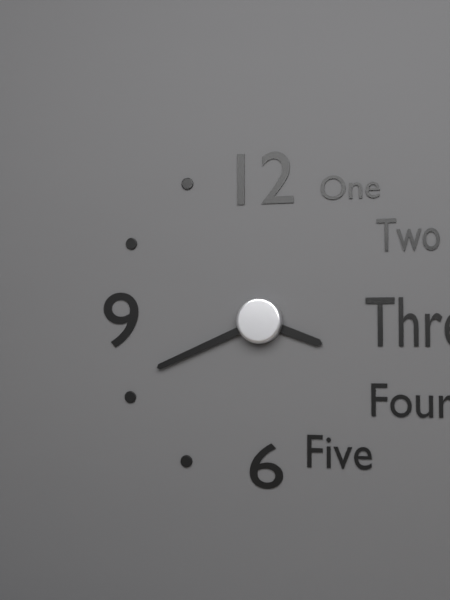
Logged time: 3:41
